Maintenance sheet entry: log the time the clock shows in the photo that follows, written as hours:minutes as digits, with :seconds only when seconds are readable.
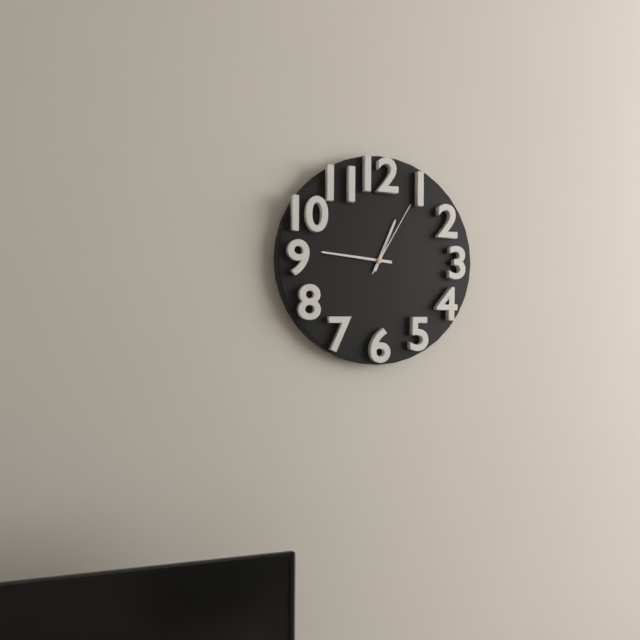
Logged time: 12:46:05
